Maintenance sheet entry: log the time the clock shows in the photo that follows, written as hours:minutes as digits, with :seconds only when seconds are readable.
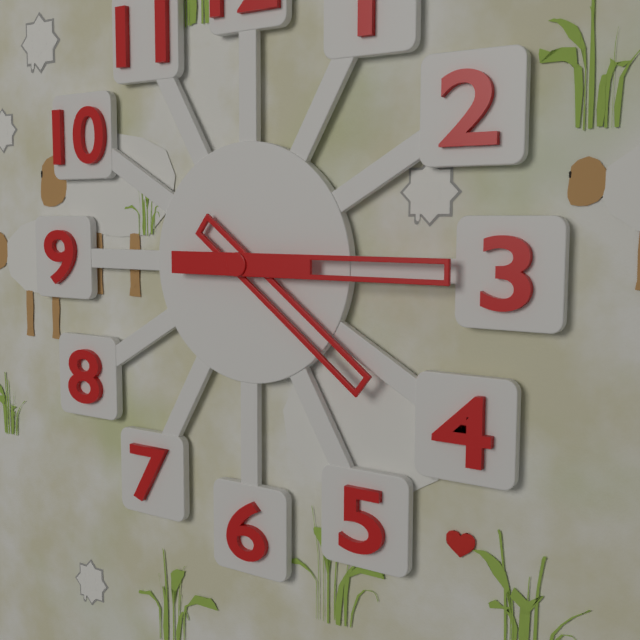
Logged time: 4:15
